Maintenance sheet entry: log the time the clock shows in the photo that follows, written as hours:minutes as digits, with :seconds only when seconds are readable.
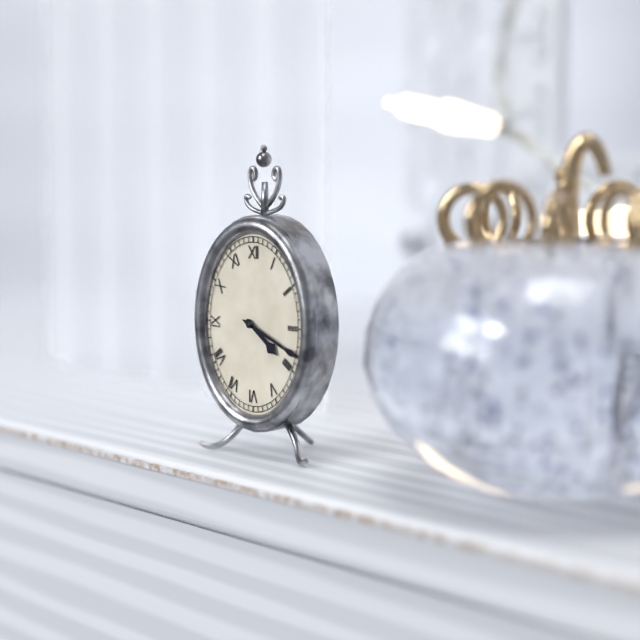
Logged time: 4:19
